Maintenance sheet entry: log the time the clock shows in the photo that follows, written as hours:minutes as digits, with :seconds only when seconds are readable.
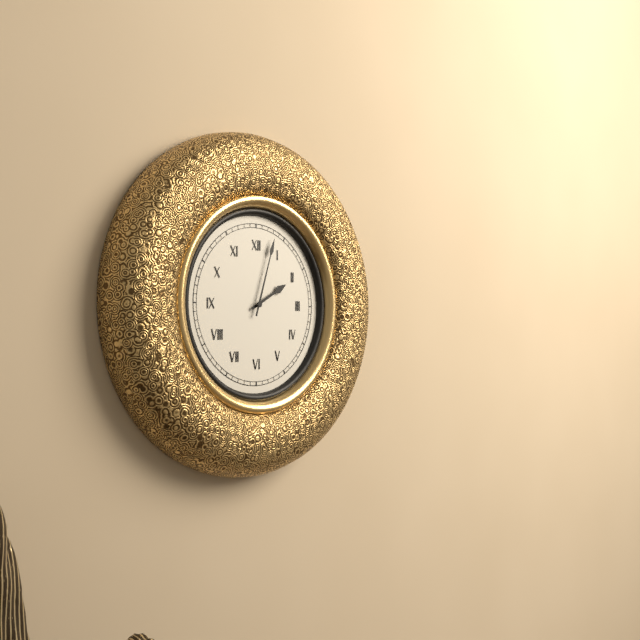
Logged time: 2:03
